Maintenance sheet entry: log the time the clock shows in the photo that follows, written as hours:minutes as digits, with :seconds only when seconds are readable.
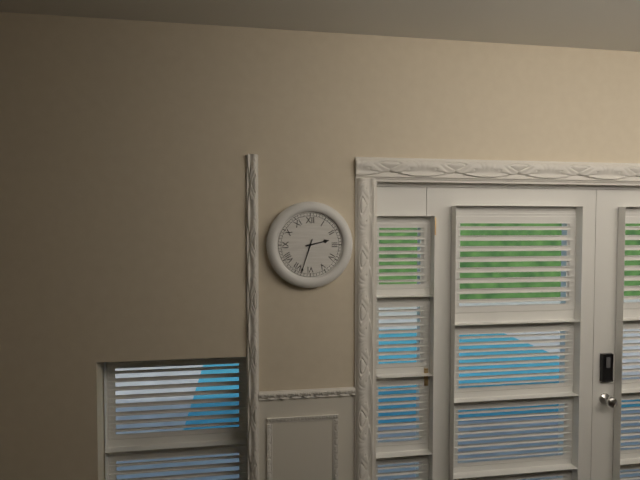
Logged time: 2:33
